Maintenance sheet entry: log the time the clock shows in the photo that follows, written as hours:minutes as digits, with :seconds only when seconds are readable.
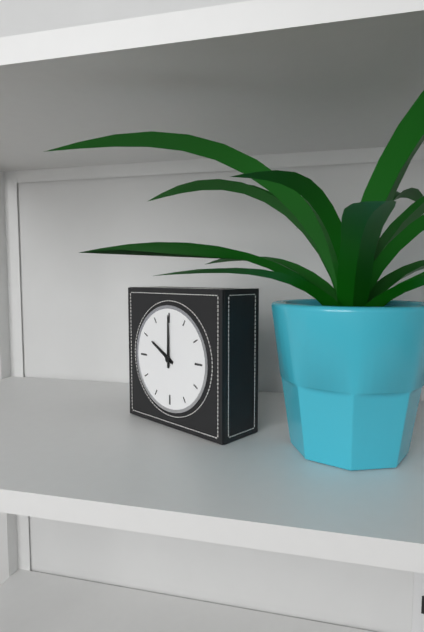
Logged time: 10:00
